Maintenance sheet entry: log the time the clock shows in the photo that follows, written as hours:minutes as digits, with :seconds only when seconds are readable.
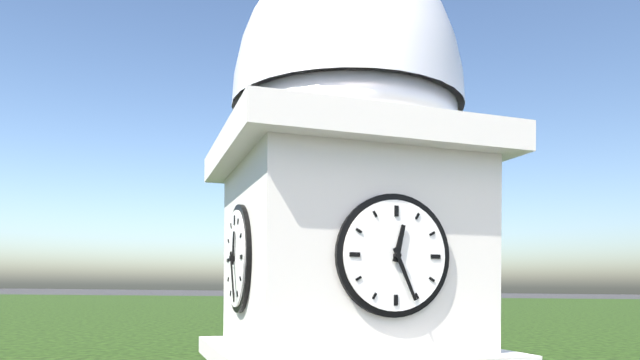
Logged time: 12:26
